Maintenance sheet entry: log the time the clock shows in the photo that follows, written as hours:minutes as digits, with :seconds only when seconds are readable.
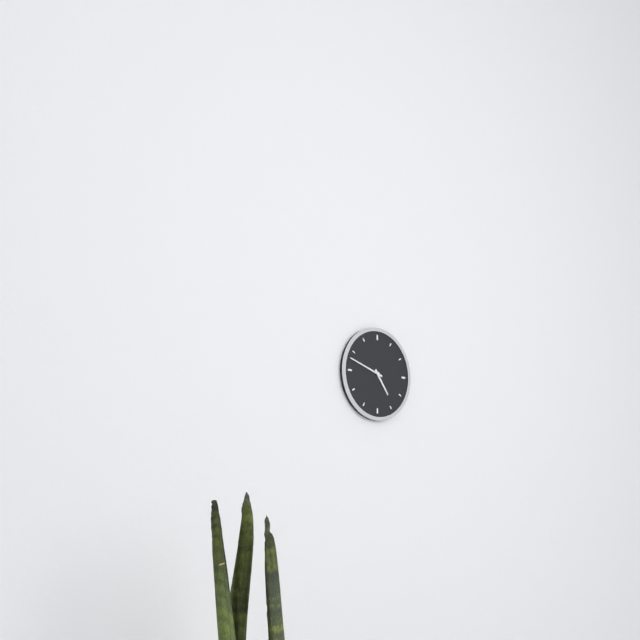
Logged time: 4:48
